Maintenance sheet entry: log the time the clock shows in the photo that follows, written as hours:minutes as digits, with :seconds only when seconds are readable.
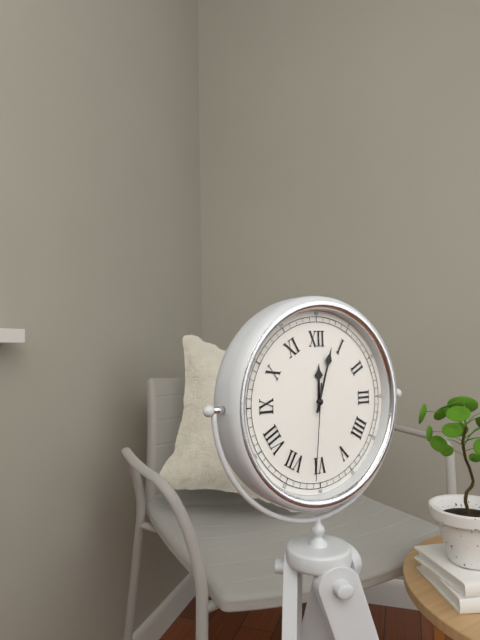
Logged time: 12:03:31
